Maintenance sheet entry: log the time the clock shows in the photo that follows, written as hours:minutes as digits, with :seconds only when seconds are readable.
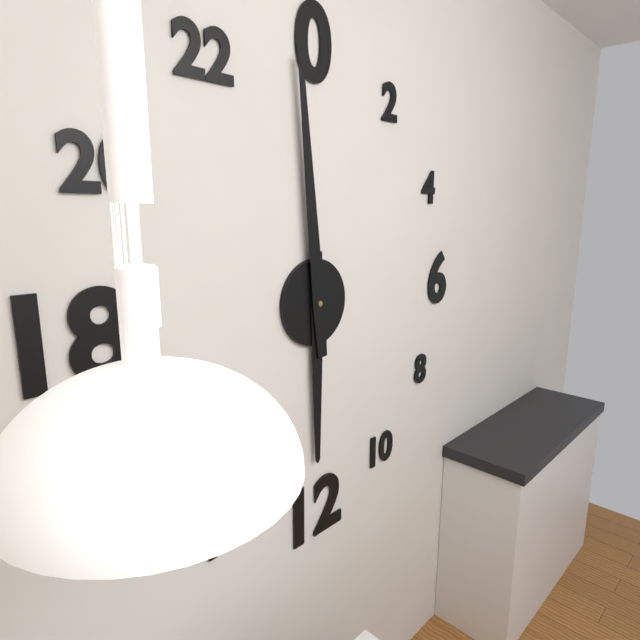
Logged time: 5:59
